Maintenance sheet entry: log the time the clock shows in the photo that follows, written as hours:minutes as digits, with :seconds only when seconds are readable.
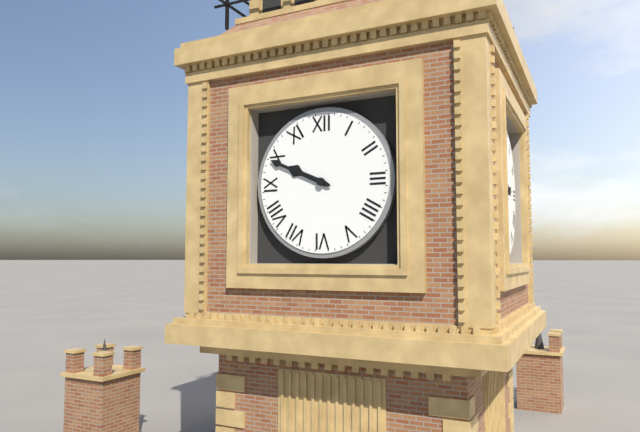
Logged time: 9:49
